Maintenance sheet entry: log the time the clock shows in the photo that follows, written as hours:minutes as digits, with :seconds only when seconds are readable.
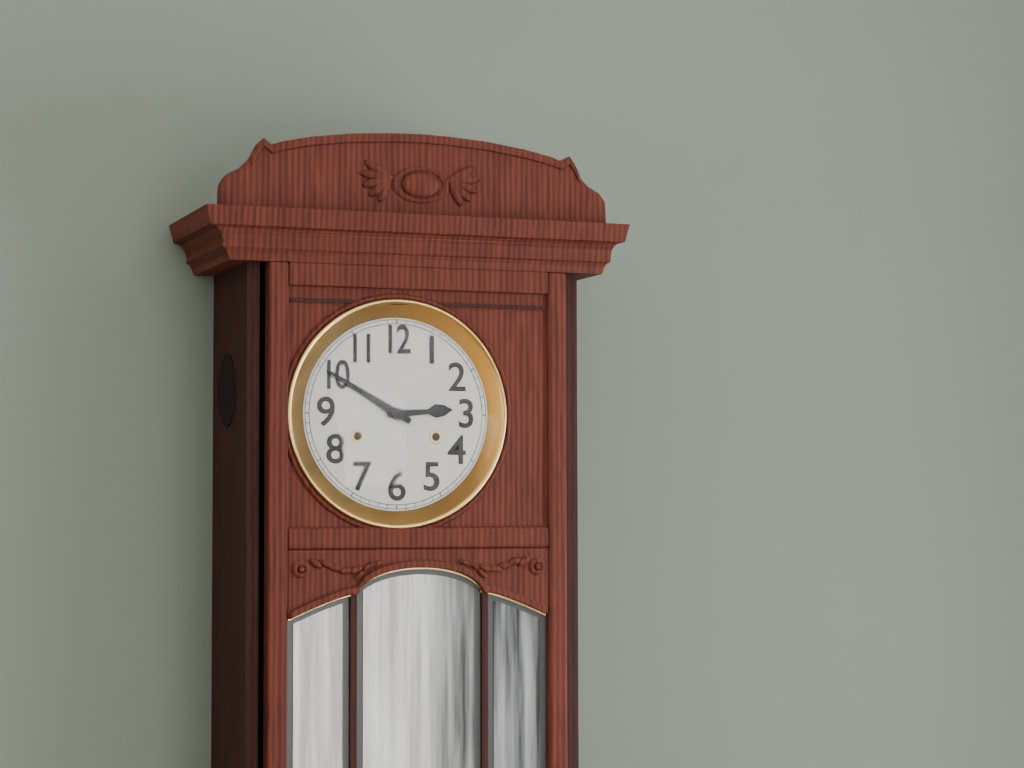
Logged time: 2:50
